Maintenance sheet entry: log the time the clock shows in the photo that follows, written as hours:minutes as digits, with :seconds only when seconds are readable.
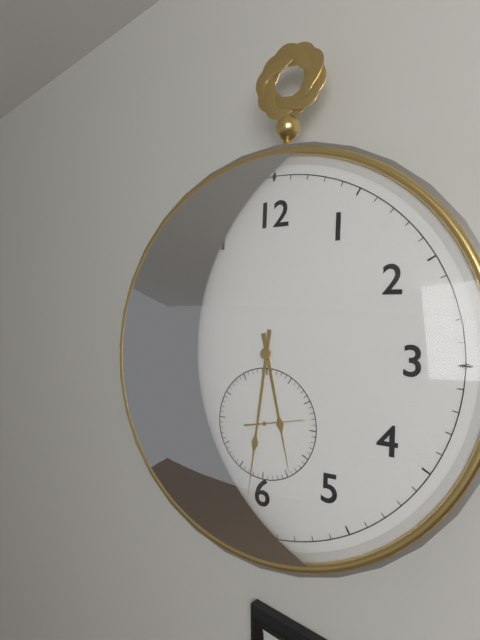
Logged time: 5:31:13
